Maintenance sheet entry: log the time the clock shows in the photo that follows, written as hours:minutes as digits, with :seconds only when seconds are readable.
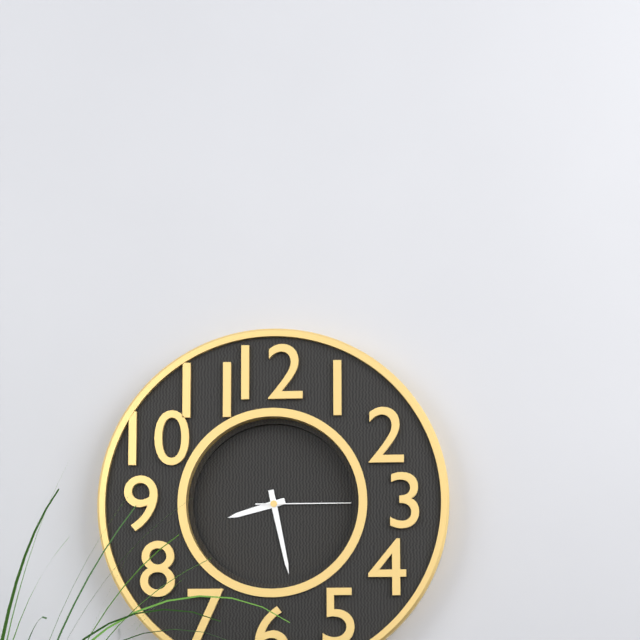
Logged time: 8:28:15
